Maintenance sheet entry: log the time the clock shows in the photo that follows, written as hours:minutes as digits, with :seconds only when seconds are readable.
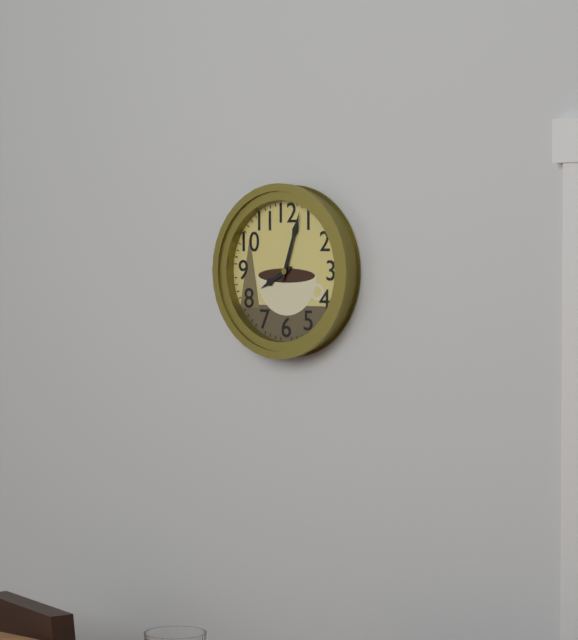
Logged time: 8:03
